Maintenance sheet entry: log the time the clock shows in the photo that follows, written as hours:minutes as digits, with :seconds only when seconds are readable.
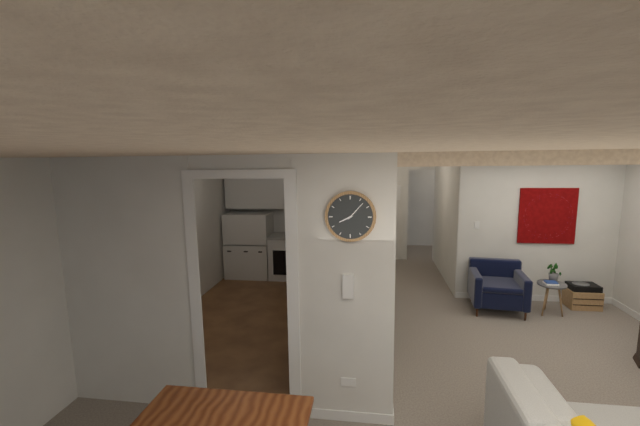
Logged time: 8:07
